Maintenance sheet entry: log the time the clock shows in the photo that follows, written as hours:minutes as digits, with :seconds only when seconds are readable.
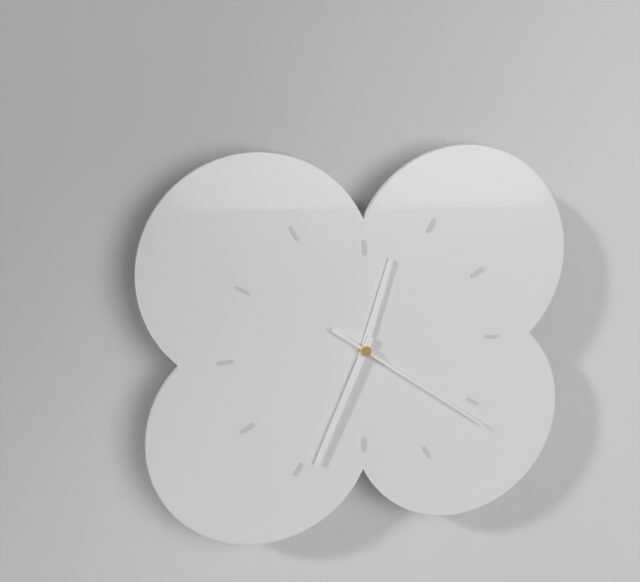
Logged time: 12:34:21
